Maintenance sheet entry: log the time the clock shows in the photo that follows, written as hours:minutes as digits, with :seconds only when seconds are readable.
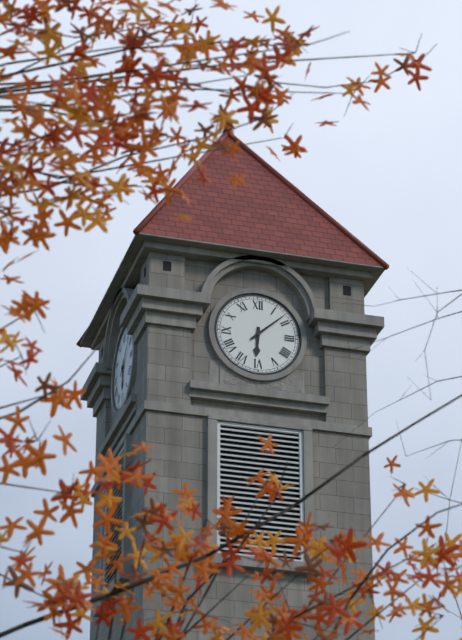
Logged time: 6:08
